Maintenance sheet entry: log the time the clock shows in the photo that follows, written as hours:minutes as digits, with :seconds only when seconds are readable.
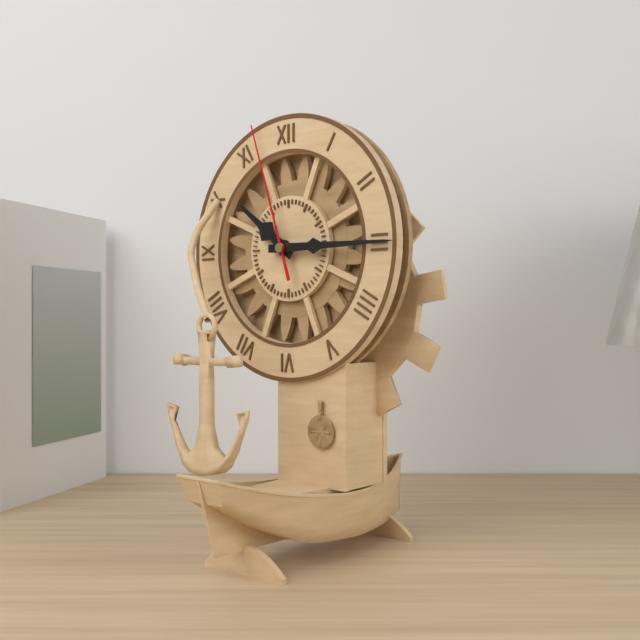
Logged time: 10:15:57
